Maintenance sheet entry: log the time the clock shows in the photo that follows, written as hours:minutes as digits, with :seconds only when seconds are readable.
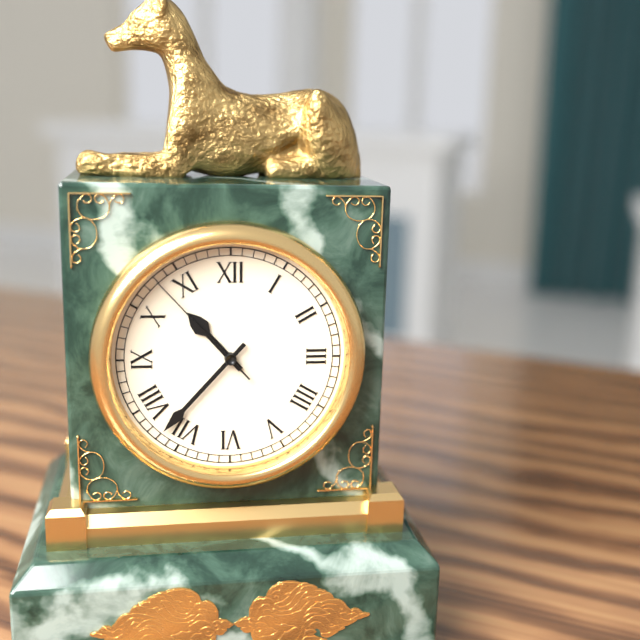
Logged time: 10:37:53
